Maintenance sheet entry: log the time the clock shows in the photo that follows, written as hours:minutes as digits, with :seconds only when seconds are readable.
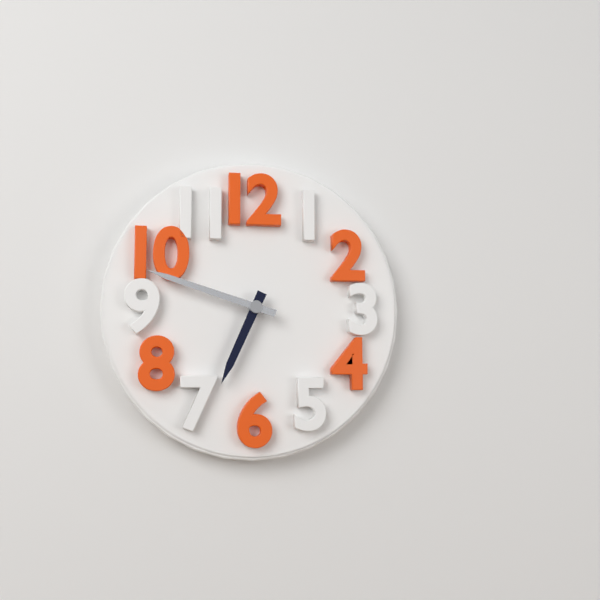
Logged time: 6:48
